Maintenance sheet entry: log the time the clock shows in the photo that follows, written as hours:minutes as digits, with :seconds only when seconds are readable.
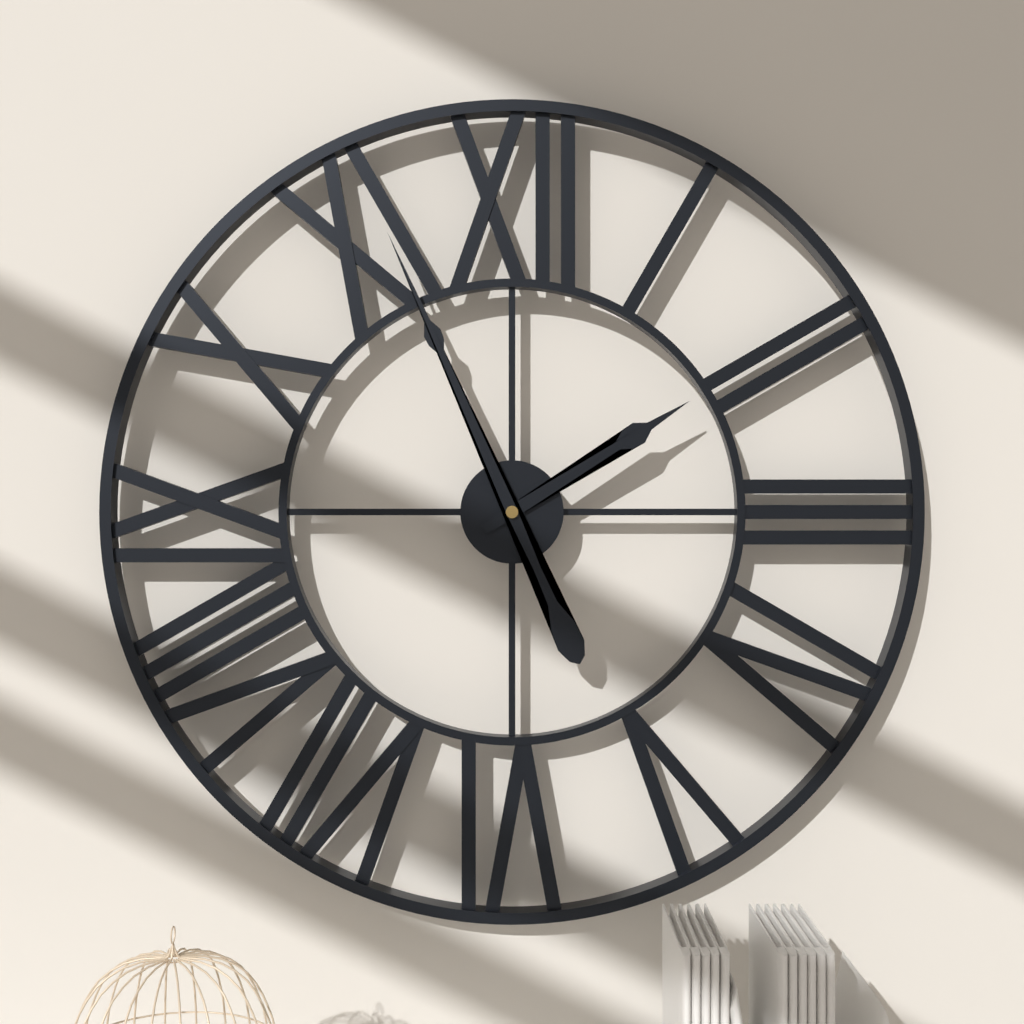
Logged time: 1:56
